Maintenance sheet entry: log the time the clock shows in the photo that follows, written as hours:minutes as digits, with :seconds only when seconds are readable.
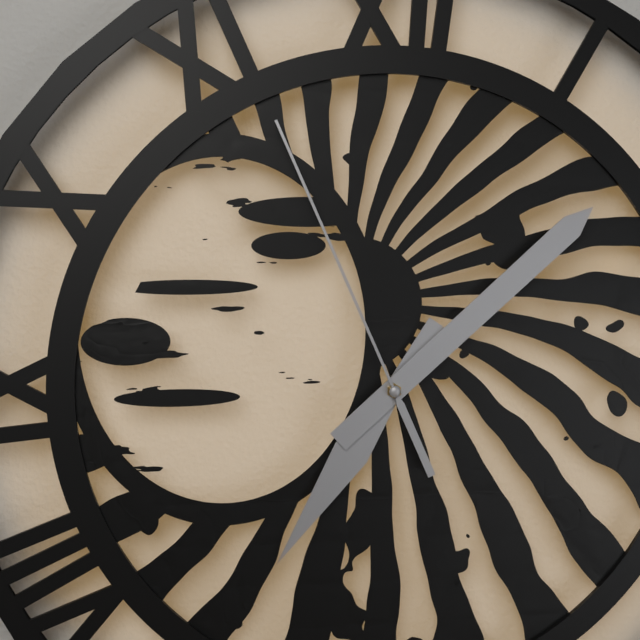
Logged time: 7:08:56
